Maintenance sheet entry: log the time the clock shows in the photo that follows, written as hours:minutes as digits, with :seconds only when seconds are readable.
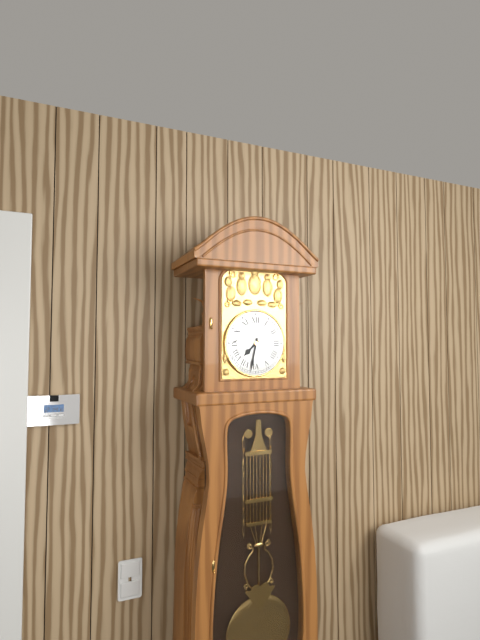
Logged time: 7:32
